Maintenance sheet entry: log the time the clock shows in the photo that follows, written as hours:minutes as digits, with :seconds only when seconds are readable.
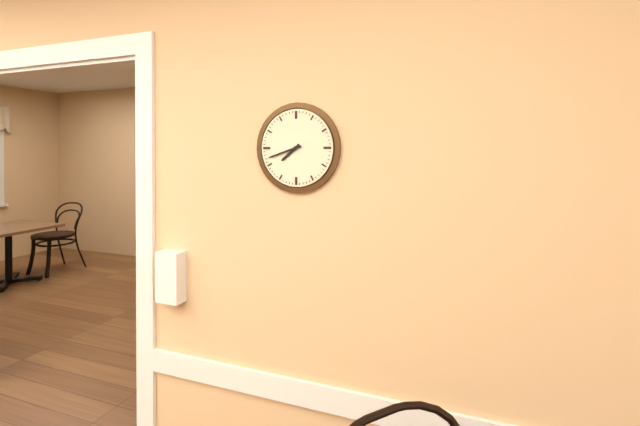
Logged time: 7:42
